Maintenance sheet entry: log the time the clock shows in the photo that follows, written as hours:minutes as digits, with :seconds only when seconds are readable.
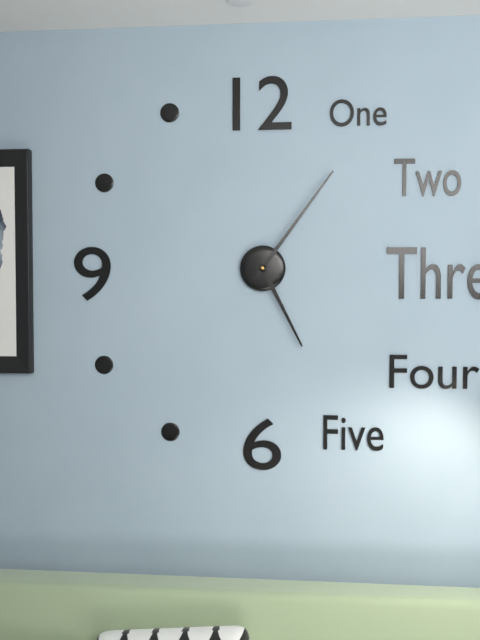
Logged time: 5:06
